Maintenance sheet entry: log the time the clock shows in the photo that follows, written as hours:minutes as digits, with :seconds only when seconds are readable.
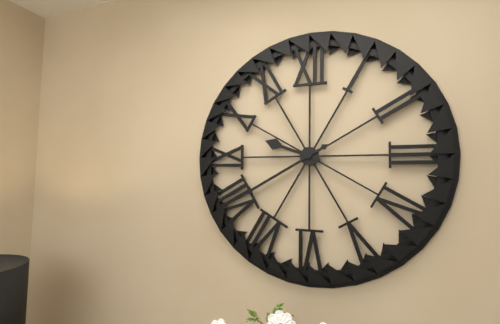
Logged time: 9:40
